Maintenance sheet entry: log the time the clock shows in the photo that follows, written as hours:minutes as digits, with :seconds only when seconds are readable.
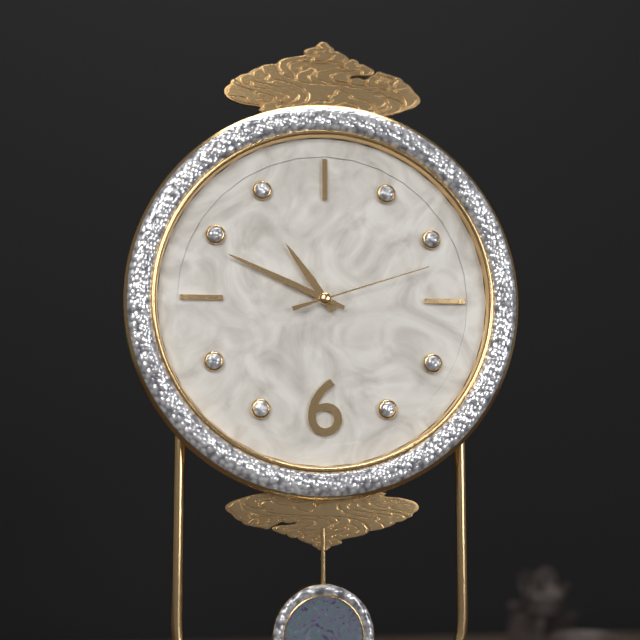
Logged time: 10:49:12
